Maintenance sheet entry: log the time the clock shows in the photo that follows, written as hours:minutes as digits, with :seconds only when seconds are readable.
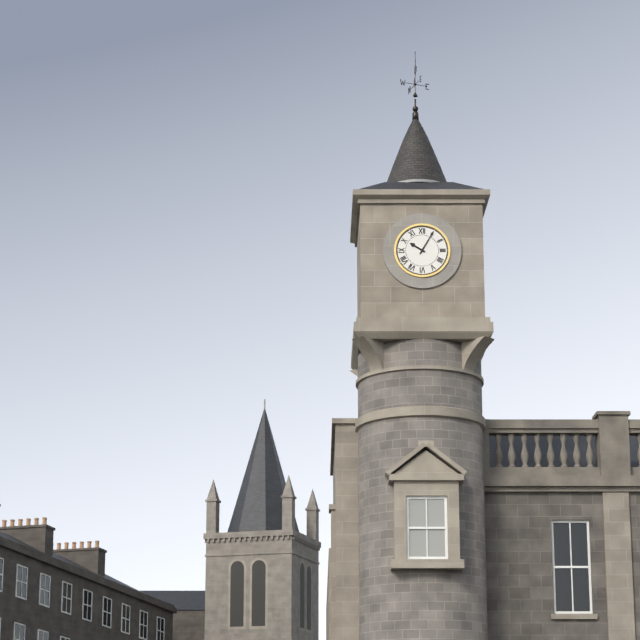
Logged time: 10:05
